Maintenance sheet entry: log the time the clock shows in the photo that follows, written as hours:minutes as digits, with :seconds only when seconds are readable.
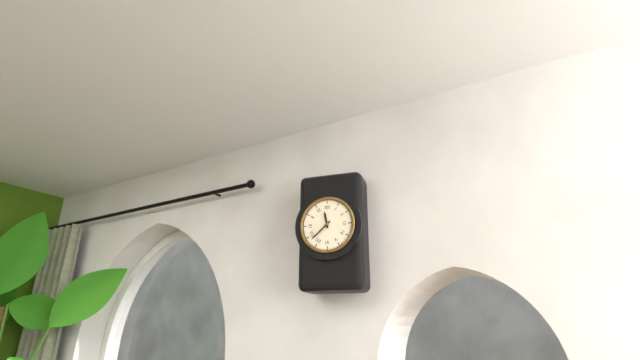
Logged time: 11:38
